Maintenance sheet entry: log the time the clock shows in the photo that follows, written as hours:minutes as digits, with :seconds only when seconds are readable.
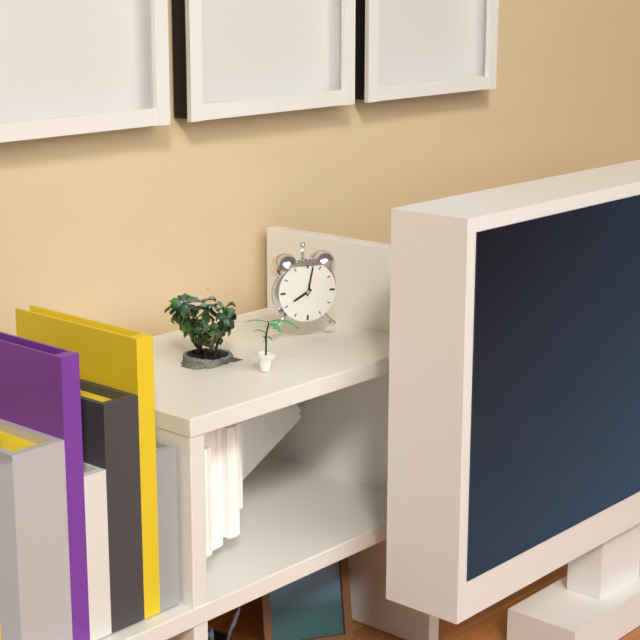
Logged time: 8:02
